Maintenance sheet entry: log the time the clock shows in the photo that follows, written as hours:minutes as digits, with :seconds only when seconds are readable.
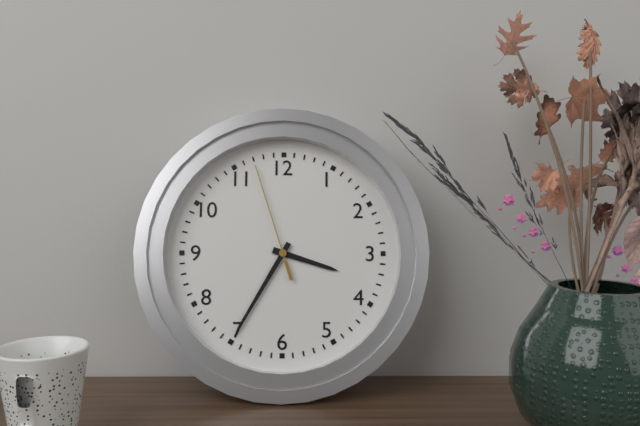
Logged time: 3:35:57
